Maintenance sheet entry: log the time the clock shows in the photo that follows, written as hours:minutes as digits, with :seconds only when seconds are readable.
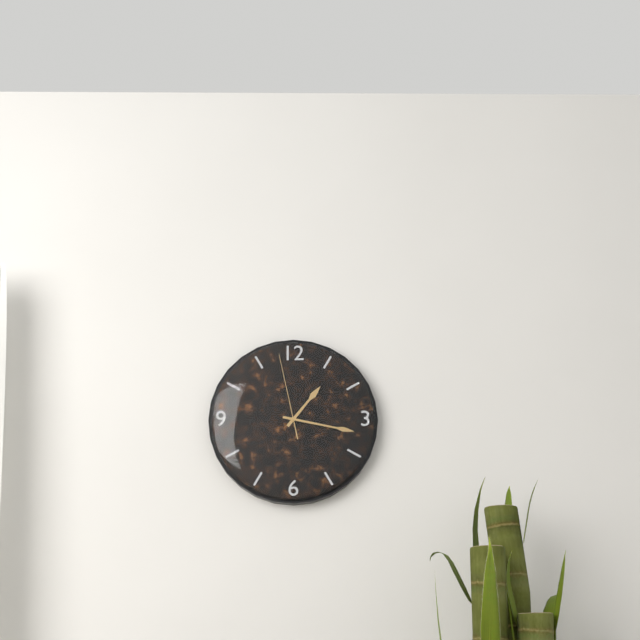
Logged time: 1:17:58
